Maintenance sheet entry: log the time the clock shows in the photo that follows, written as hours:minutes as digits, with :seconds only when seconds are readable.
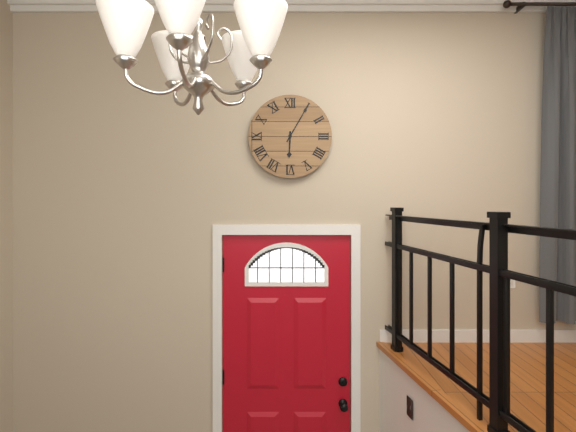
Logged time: 6:05
